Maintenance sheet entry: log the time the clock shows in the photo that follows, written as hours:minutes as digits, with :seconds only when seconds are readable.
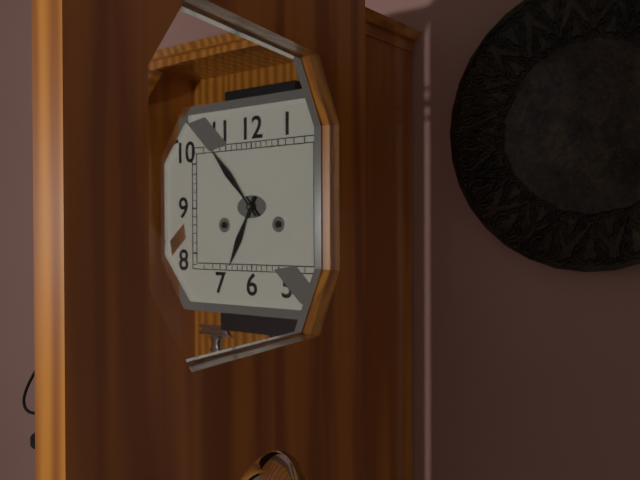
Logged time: 6:53
